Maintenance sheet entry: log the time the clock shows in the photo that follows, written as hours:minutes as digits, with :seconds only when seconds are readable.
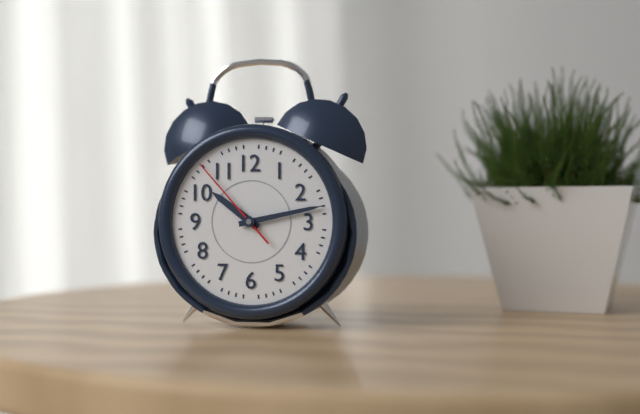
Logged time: 10:13:53
